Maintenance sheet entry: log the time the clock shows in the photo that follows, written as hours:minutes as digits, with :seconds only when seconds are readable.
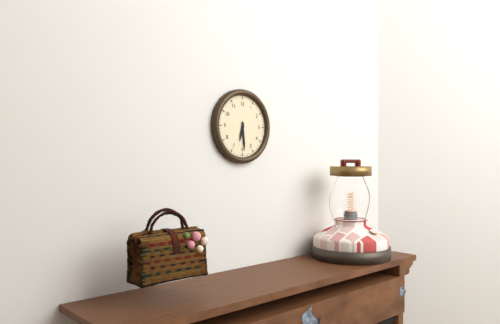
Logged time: 6:29
